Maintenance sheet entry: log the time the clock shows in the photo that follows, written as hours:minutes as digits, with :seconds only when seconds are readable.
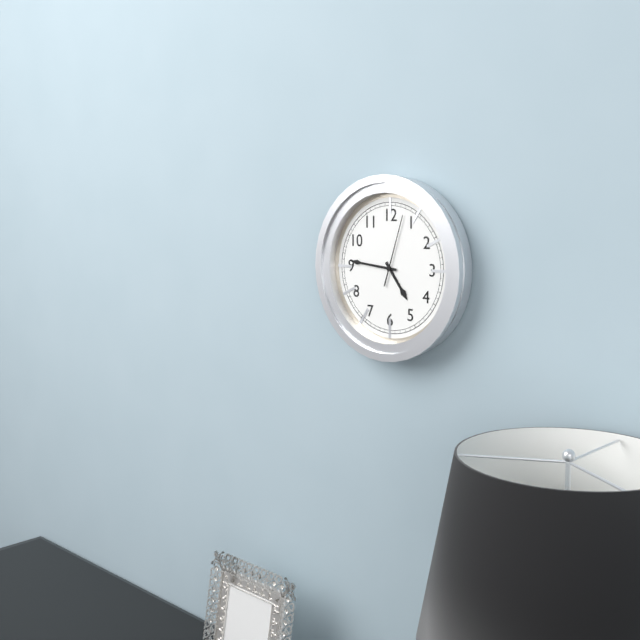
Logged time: 4:46:03
